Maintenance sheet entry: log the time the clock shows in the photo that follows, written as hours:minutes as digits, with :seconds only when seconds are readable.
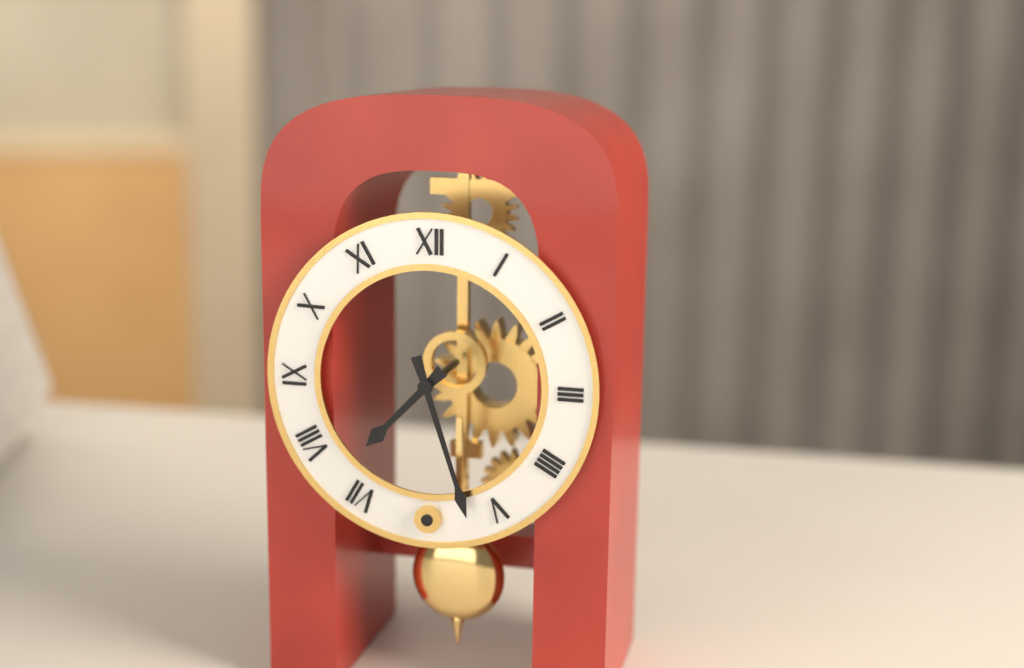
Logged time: 7:27
